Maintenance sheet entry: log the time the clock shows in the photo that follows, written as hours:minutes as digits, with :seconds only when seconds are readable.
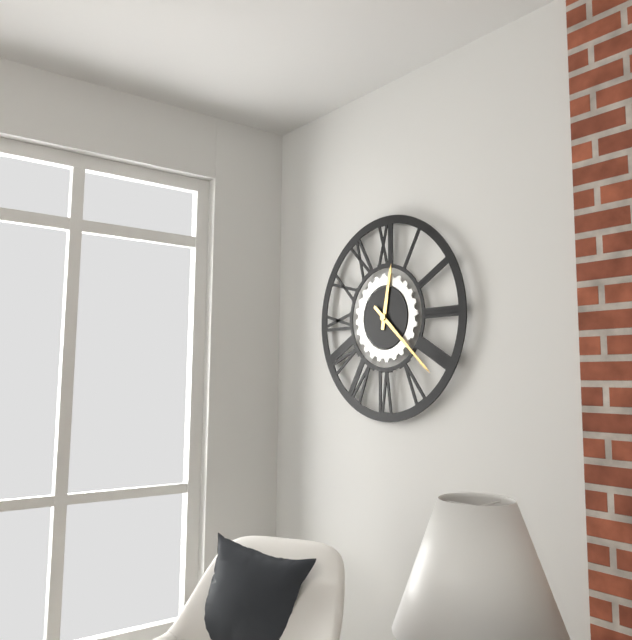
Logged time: 12:22
